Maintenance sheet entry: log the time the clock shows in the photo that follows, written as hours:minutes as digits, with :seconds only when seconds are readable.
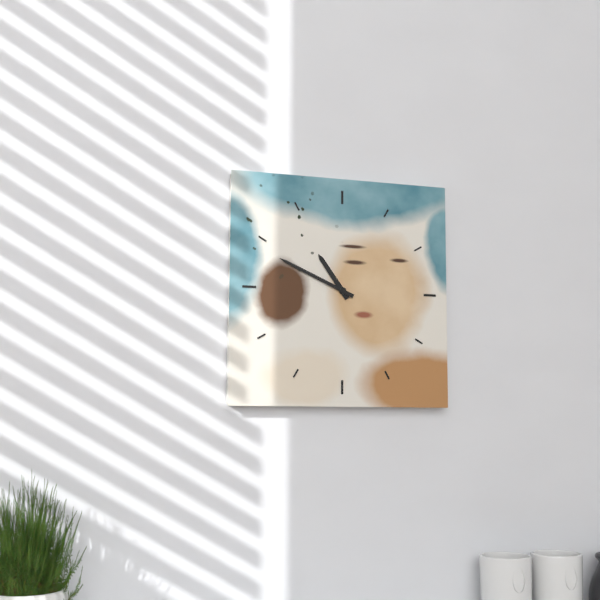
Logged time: 10:49
